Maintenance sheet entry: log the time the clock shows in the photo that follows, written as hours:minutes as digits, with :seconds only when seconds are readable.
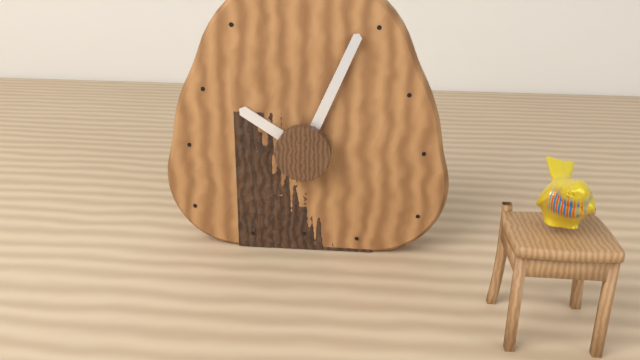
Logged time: 10:04
